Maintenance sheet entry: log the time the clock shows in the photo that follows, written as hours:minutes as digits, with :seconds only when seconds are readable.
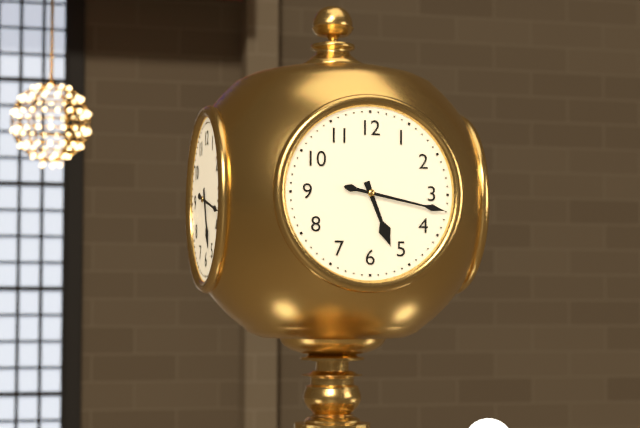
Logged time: 5:17
